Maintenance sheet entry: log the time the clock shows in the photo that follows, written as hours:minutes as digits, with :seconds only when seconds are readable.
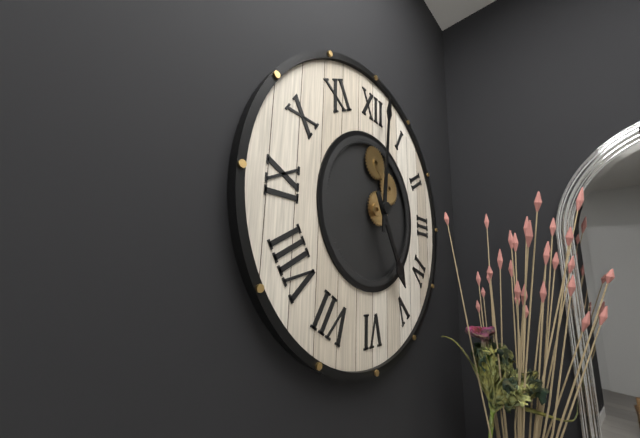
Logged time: 5:01
